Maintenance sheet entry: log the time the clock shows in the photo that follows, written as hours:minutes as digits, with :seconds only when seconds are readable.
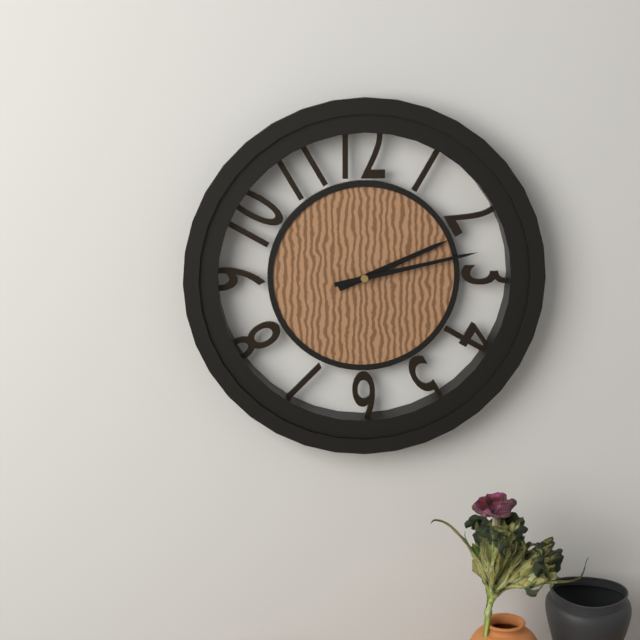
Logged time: 2:13
